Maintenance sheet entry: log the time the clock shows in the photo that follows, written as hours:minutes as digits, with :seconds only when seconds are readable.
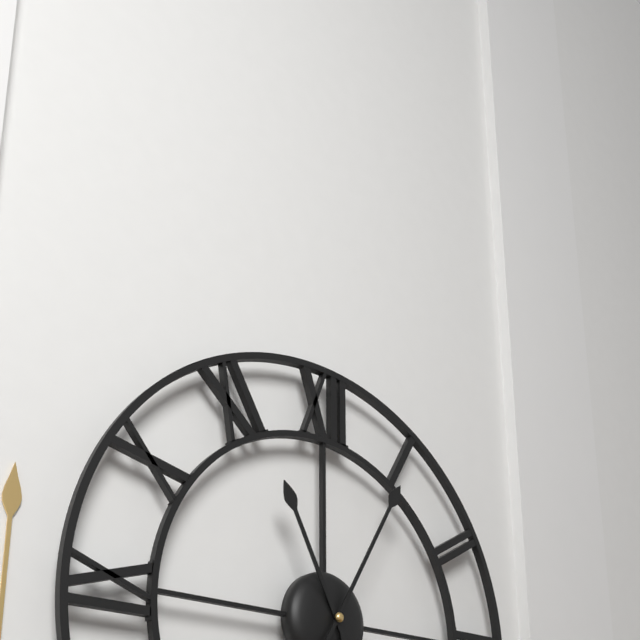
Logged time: 11:05
